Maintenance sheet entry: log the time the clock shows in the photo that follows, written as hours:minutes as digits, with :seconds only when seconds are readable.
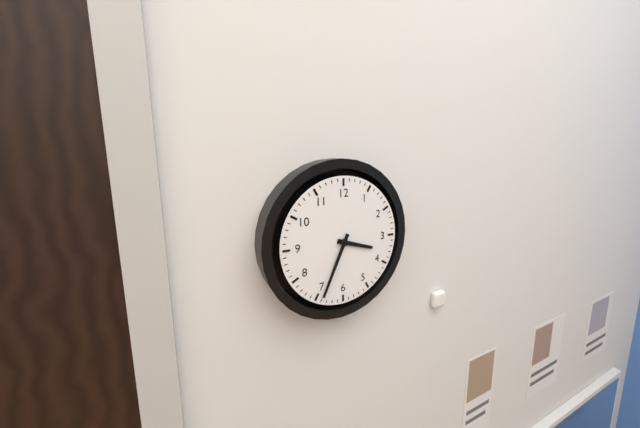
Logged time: 3:34
